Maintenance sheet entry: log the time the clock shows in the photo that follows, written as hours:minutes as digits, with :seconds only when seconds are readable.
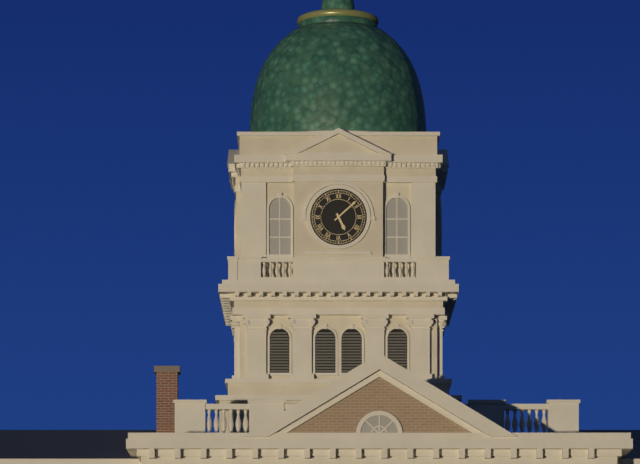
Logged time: 5:08
